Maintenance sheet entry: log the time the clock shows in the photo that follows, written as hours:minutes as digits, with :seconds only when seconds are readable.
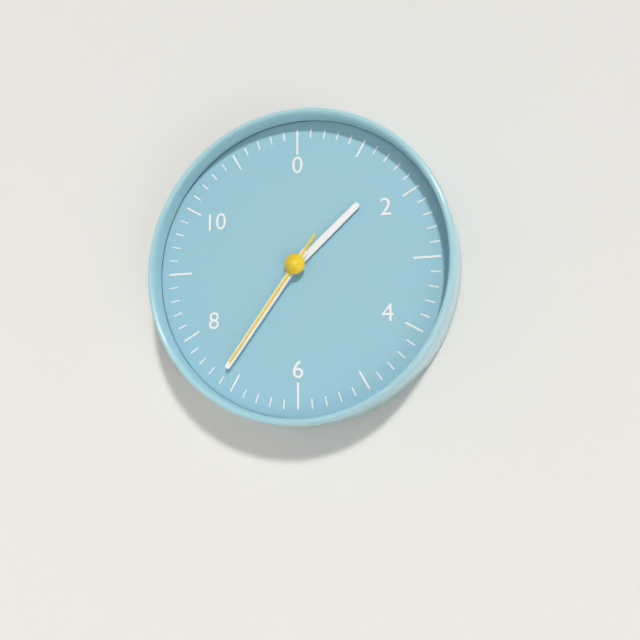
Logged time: 1:36:36
